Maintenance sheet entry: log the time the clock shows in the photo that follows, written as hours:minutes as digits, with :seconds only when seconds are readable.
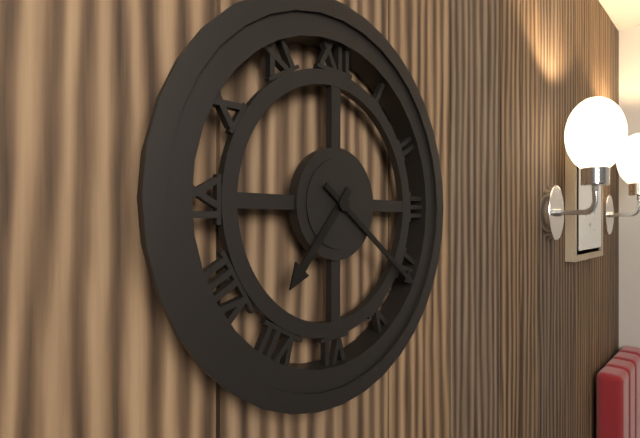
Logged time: 7:21
